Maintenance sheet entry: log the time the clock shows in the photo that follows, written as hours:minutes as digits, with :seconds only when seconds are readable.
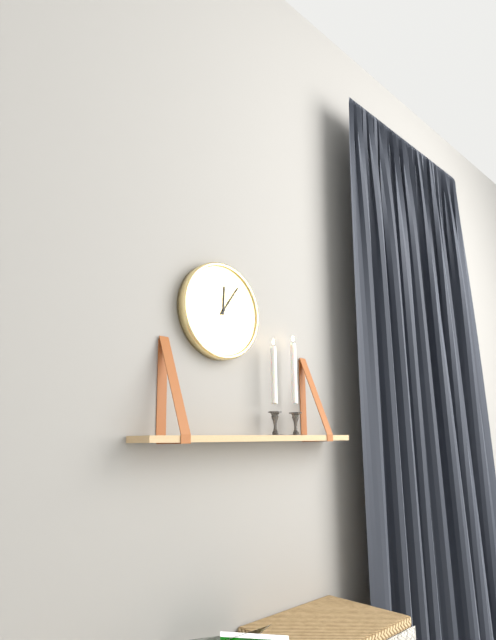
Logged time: 12:06
